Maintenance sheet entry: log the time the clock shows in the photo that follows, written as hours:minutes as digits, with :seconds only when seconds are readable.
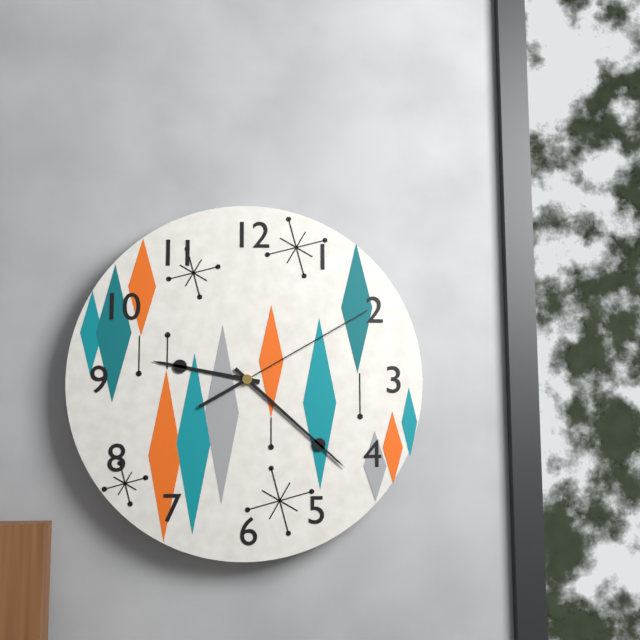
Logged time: 9:22:10
